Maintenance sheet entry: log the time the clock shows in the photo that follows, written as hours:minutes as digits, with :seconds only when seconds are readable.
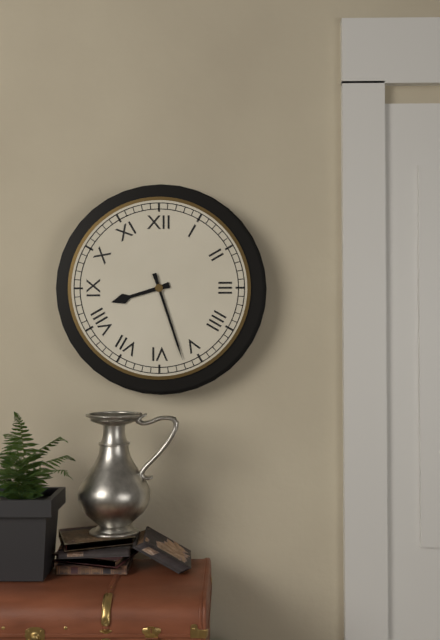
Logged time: 8:27
